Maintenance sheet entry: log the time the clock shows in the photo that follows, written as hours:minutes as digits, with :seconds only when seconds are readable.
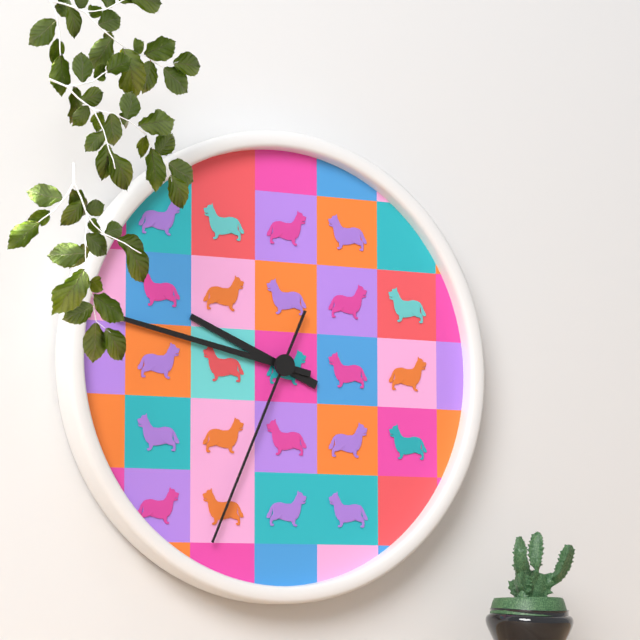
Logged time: 9:47:34
